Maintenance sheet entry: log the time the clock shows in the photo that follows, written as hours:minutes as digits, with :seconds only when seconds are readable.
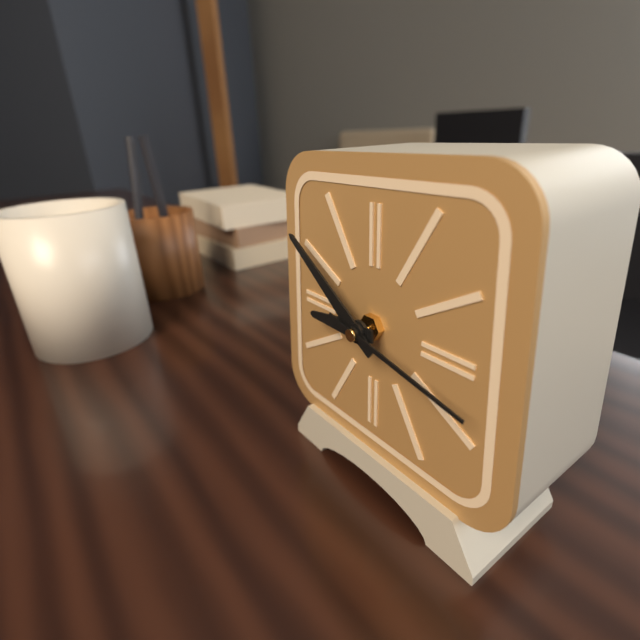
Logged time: 8:51:17
